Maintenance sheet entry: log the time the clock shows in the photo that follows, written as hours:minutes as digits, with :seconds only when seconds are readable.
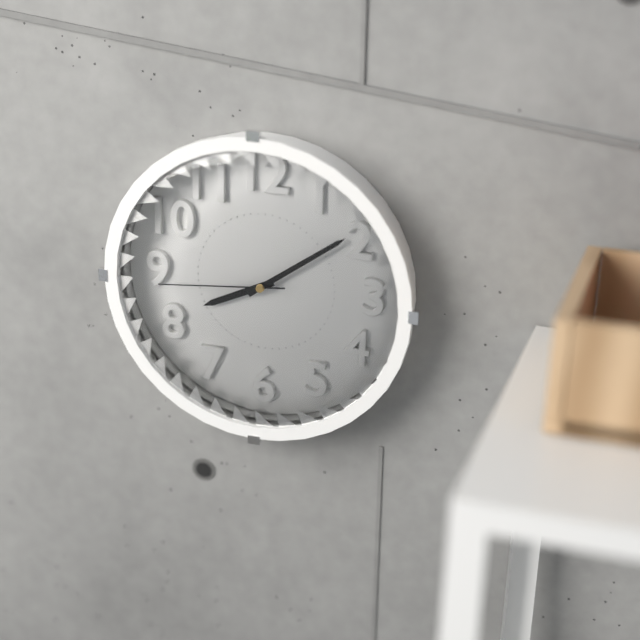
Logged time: 8:09:44
